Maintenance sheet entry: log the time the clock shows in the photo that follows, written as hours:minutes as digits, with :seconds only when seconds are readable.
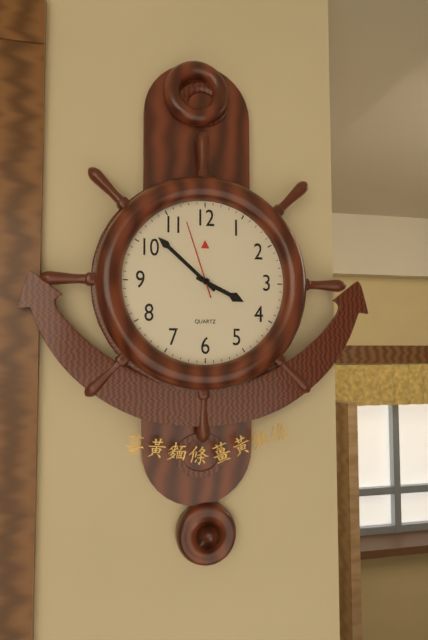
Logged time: 3:52:57
